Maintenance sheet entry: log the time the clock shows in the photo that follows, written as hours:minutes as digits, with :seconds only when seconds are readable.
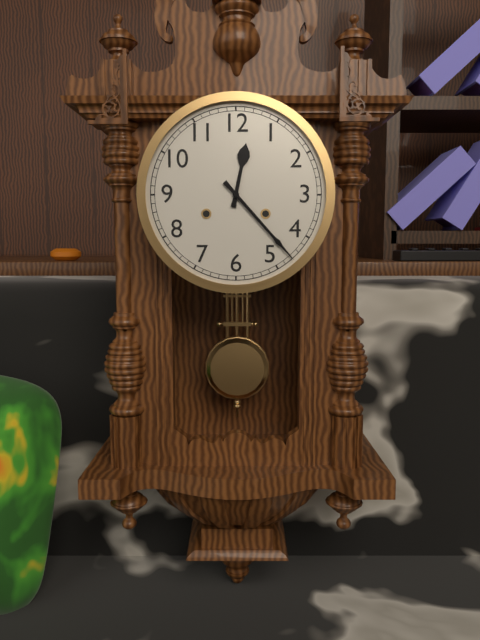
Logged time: 12:23
